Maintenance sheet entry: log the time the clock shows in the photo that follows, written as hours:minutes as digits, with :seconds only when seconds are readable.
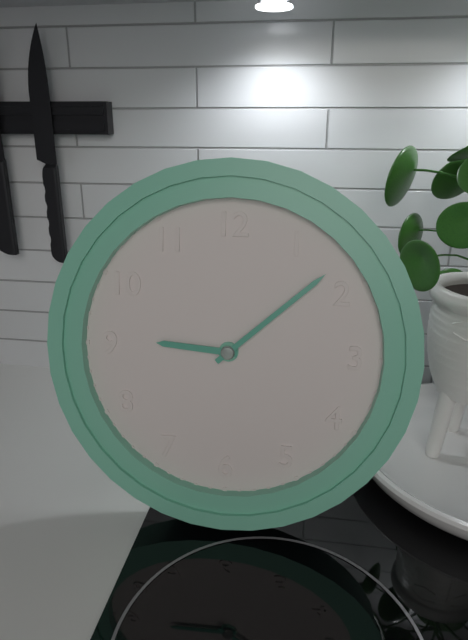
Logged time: 9:08
